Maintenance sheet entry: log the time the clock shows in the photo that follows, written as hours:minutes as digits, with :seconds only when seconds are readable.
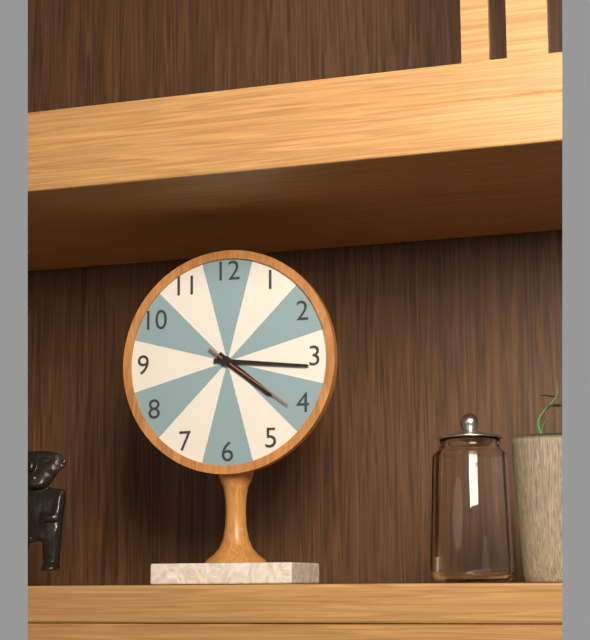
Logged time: 4:16:21
